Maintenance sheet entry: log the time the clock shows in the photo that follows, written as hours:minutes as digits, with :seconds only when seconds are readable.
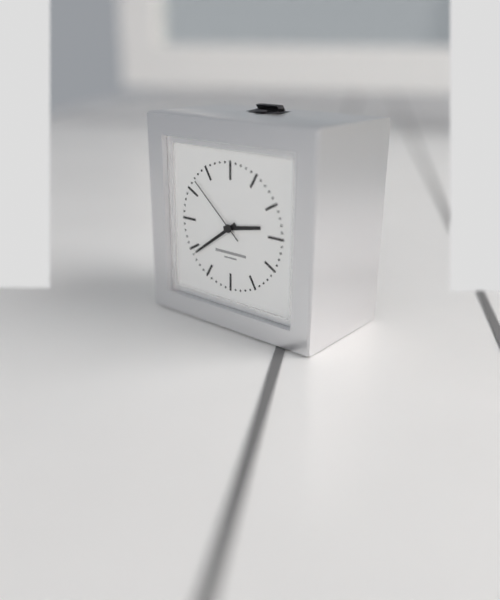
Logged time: 2:39:52
